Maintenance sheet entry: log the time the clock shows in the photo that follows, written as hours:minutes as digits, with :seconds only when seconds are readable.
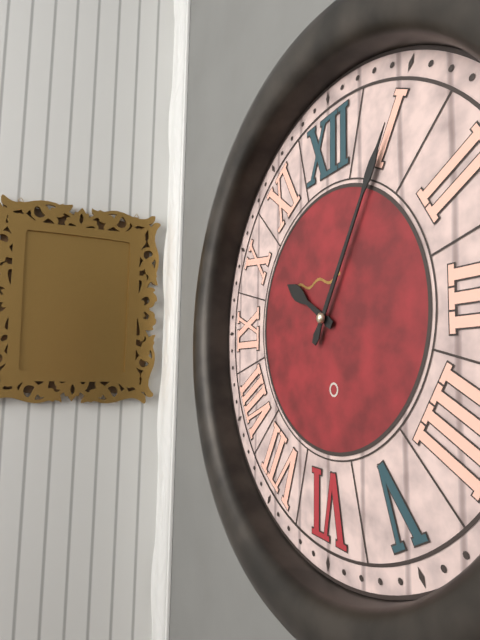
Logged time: 10:05
